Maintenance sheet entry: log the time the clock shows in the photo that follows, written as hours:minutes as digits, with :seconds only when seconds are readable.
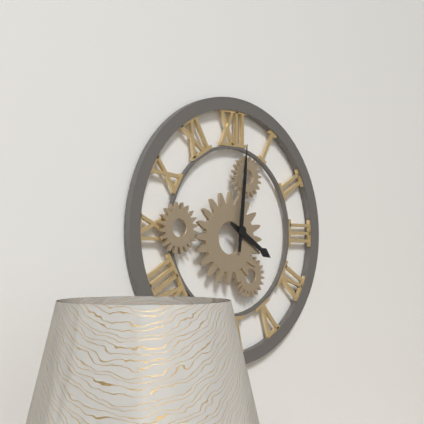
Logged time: 4:01
